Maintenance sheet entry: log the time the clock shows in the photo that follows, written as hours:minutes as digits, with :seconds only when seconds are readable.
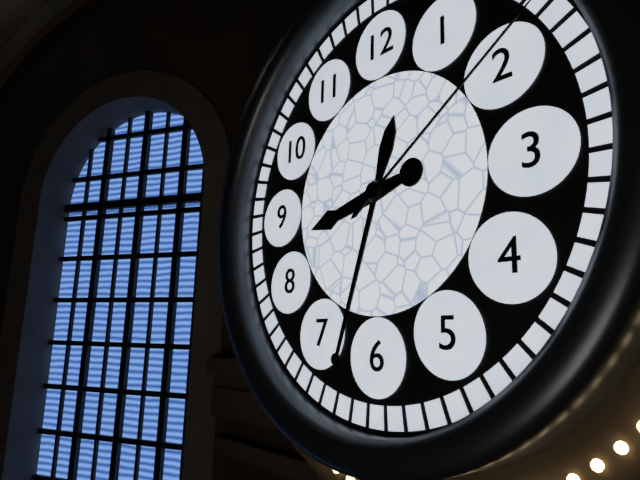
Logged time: 8:33
